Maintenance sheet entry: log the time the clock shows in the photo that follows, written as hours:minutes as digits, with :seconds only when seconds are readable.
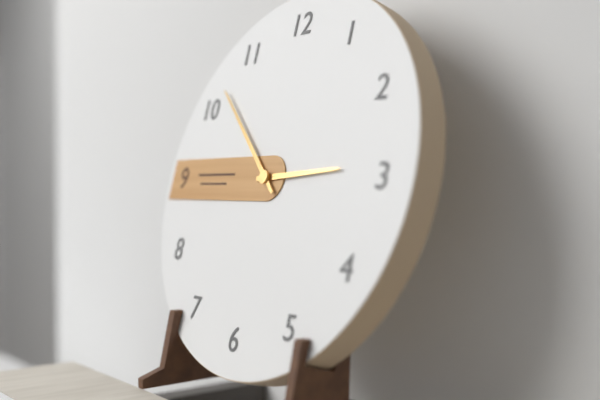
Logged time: 2:52
